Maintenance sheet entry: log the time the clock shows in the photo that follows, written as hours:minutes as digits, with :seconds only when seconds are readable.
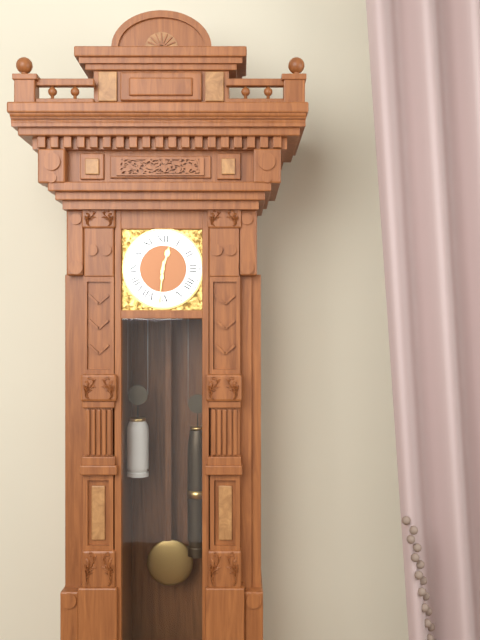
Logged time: 12:31
